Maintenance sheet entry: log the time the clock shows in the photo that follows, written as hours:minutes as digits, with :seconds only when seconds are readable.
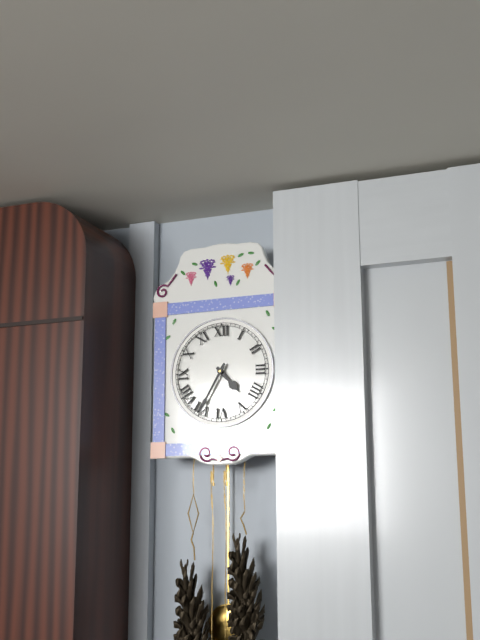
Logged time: 4:35
